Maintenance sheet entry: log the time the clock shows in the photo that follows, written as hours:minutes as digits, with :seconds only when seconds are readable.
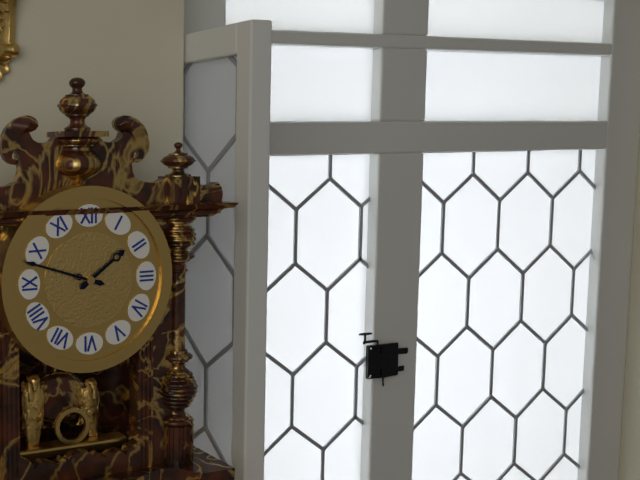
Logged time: 1:48
